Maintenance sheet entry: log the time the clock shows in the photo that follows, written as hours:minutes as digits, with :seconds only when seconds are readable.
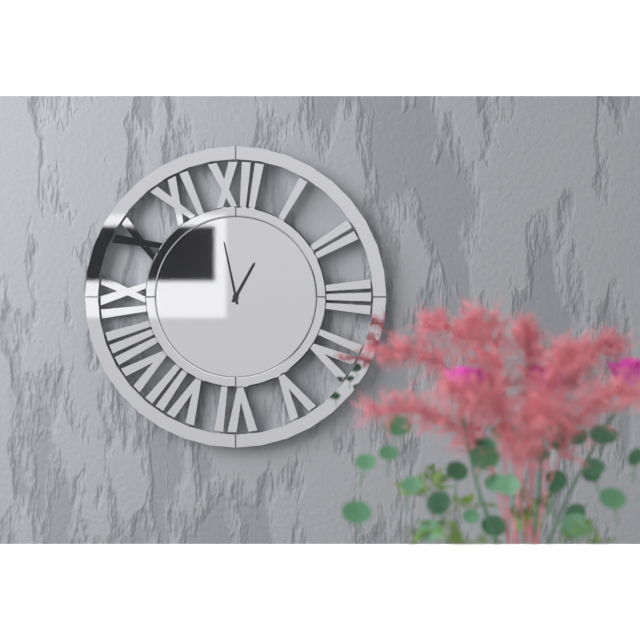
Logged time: 12:58
